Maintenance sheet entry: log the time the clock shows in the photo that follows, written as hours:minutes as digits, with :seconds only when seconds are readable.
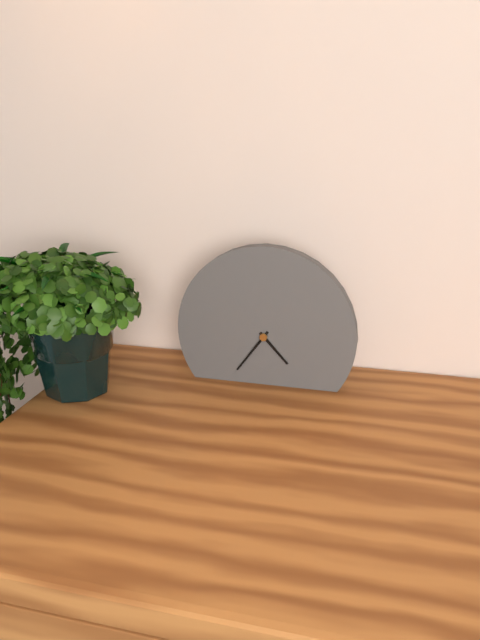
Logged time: 4:36
